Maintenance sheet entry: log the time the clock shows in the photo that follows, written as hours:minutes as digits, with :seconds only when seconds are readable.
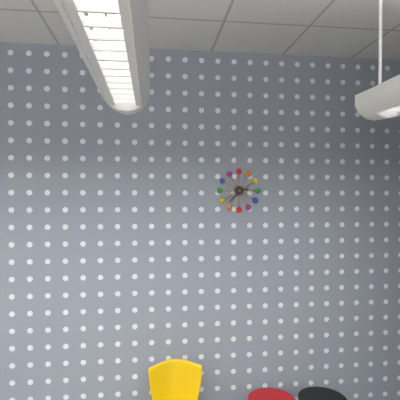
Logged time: 2:37
